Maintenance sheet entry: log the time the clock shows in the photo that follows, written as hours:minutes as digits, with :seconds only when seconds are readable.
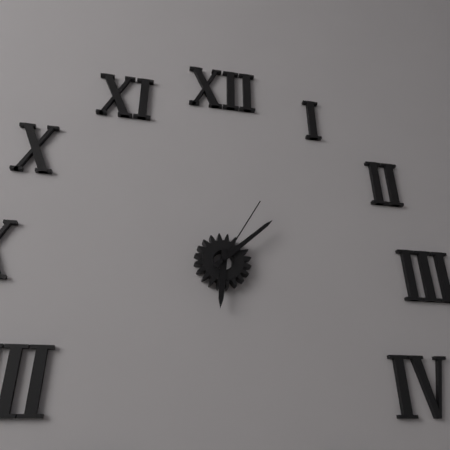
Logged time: 6:08:05
